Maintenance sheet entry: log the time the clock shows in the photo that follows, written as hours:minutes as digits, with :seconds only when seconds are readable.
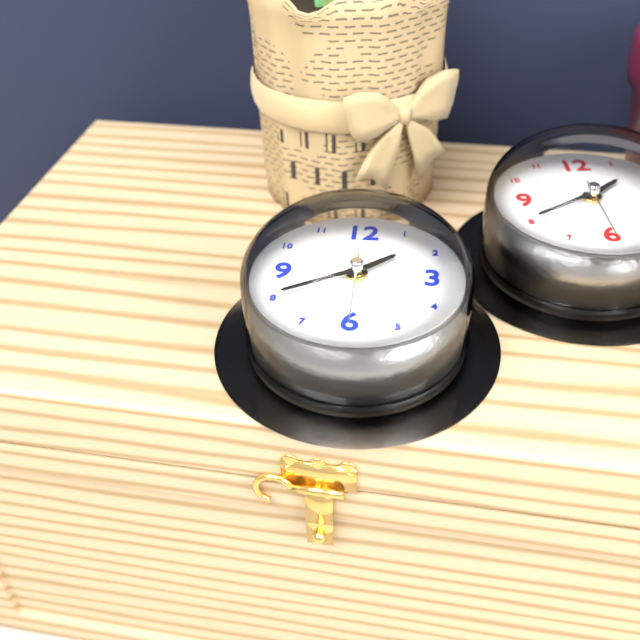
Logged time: 1:40:30
